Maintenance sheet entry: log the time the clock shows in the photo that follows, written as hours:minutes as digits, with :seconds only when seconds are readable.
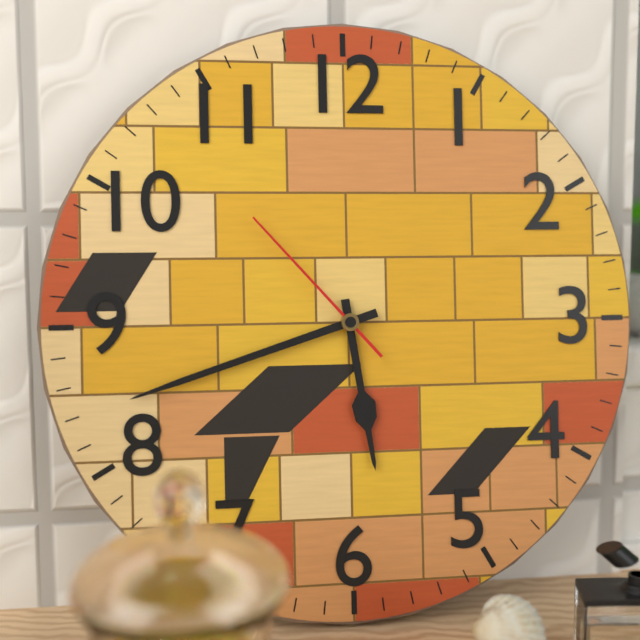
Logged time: 5:42:53
